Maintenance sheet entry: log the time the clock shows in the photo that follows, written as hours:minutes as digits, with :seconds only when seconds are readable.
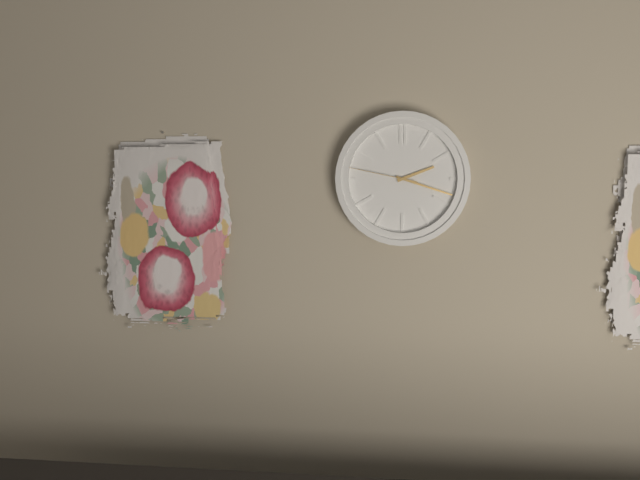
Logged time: 2:18:47
